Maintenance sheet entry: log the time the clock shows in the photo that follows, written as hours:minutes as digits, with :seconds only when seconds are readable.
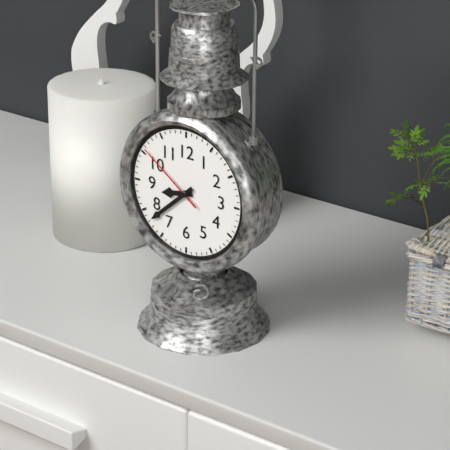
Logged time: 8:38:51
